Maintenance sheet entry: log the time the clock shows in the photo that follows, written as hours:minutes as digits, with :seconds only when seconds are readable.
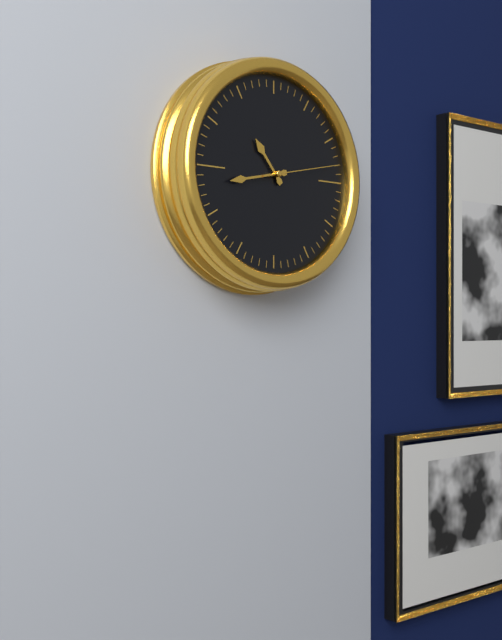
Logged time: 10:43:13
